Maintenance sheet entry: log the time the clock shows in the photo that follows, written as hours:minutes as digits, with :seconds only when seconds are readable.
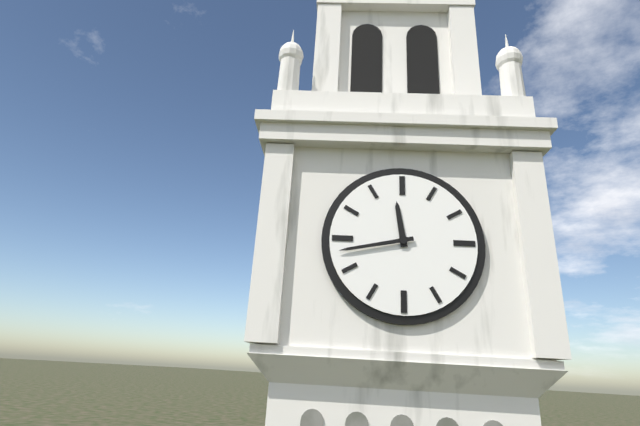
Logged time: 11:43
